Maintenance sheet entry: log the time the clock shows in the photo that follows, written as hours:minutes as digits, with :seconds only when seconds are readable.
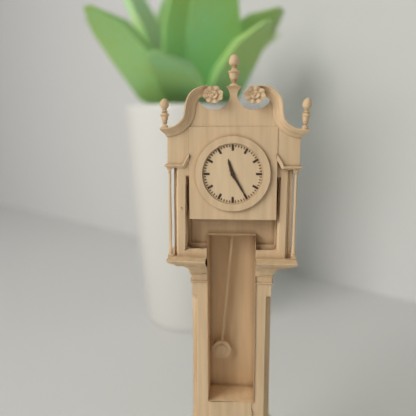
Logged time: 11:25
